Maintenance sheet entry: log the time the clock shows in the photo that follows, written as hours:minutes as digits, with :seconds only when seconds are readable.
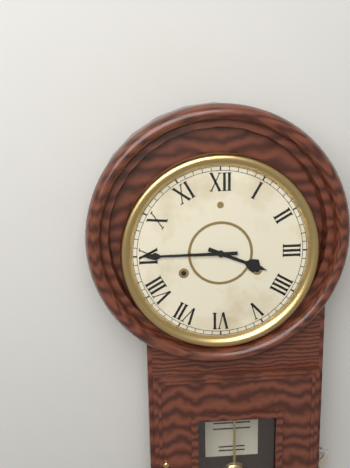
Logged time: 3:45
